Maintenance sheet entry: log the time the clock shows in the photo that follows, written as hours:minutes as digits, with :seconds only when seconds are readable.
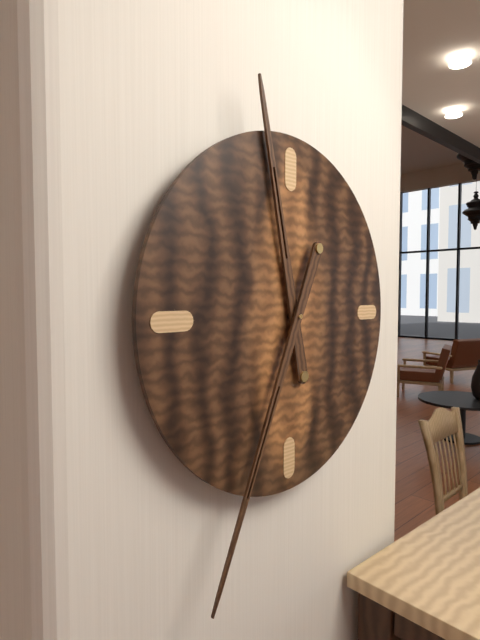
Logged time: 11:34
